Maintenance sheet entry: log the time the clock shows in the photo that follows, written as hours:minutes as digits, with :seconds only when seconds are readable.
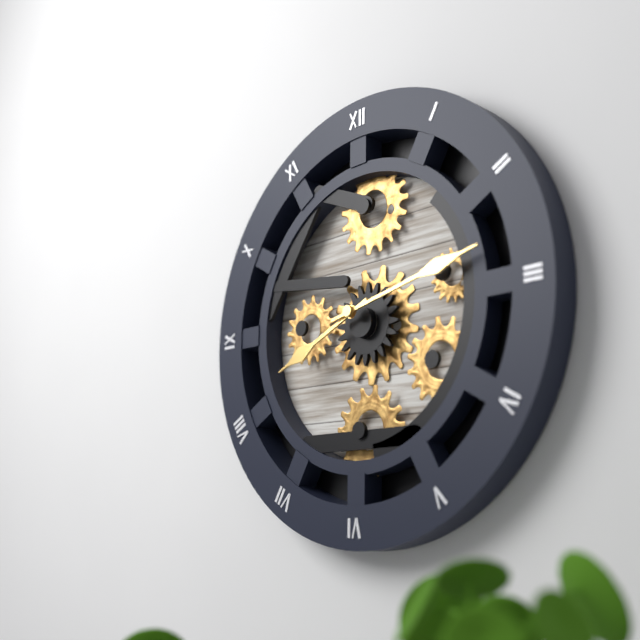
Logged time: 8:13
